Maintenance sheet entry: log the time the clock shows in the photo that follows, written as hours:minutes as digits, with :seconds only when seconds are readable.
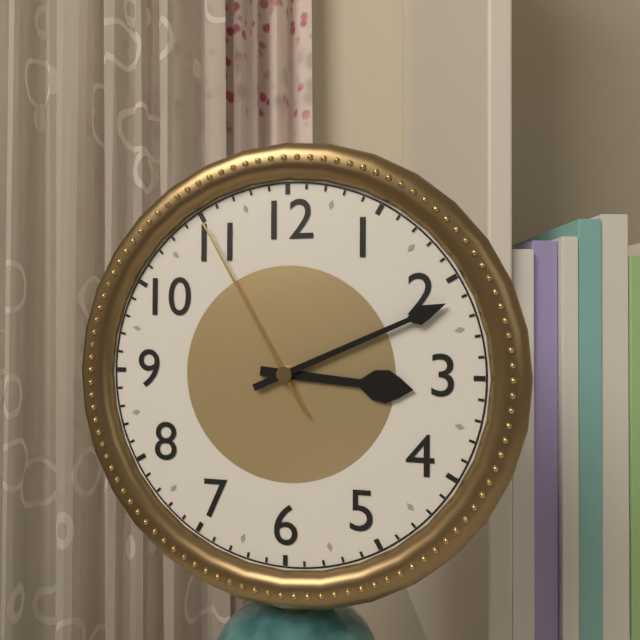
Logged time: 3:11:55
